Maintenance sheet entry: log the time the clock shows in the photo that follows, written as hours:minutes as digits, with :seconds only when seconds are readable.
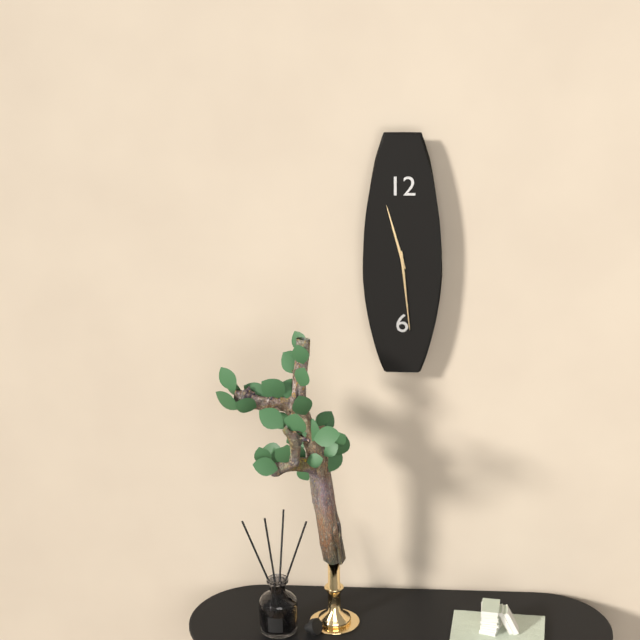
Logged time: 11:29
